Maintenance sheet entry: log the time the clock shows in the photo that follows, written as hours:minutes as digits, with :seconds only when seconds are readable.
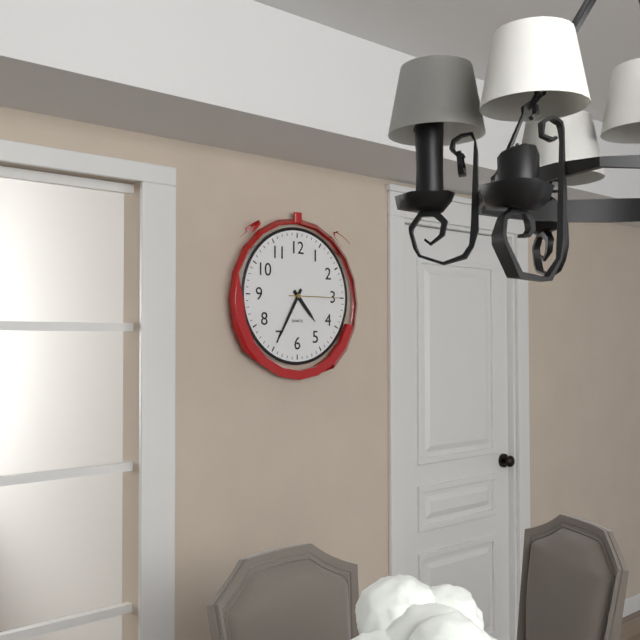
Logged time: 4:35:15
